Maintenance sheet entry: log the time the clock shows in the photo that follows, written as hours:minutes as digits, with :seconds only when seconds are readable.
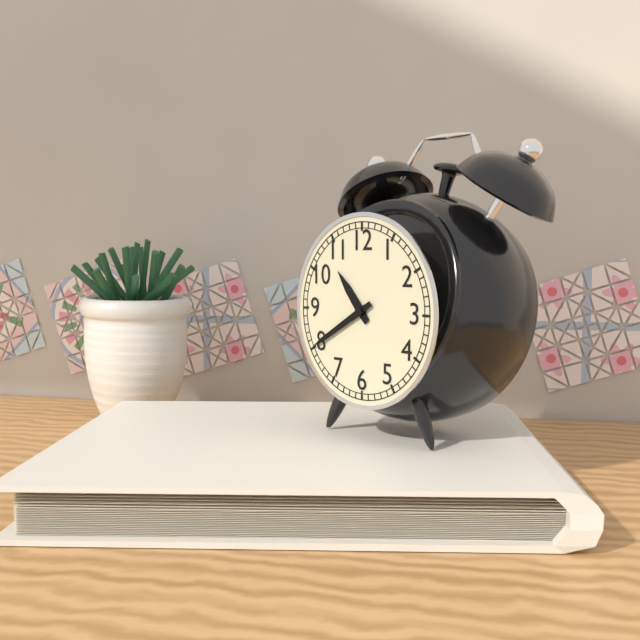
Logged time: 10:40
